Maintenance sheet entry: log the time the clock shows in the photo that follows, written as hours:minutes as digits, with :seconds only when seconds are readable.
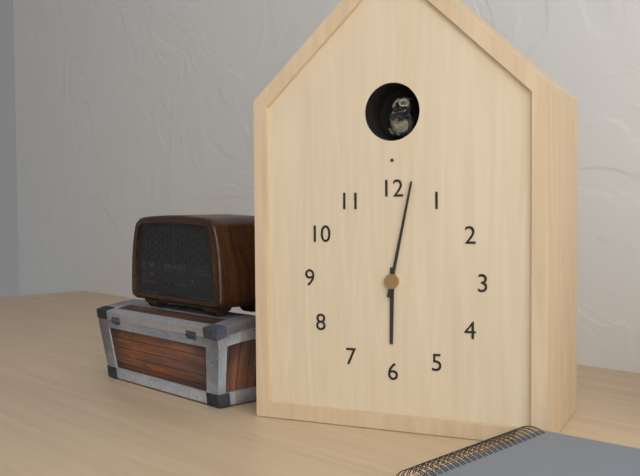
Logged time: 6:02
